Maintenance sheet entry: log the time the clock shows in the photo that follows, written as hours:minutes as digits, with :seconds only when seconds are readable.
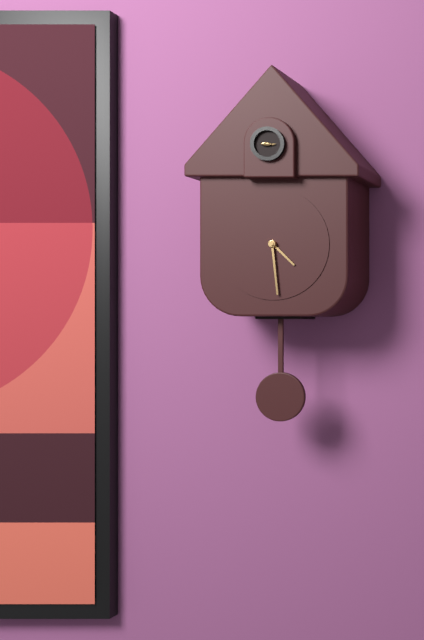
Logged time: 4:29
